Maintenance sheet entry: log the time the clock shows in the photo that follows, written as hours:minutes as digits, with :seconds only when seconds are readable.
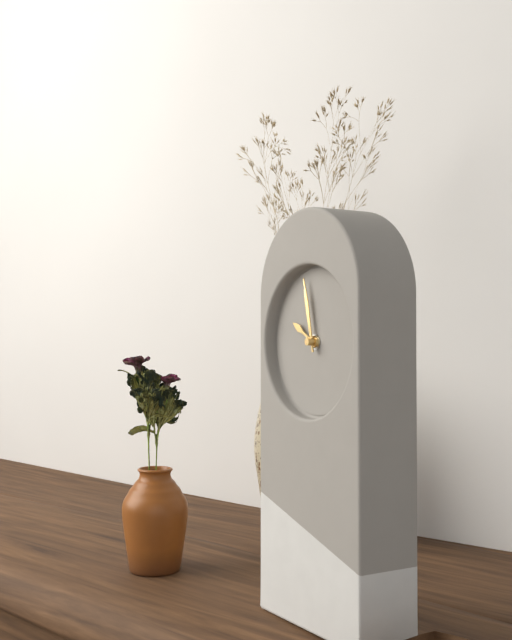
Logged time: 9:58
